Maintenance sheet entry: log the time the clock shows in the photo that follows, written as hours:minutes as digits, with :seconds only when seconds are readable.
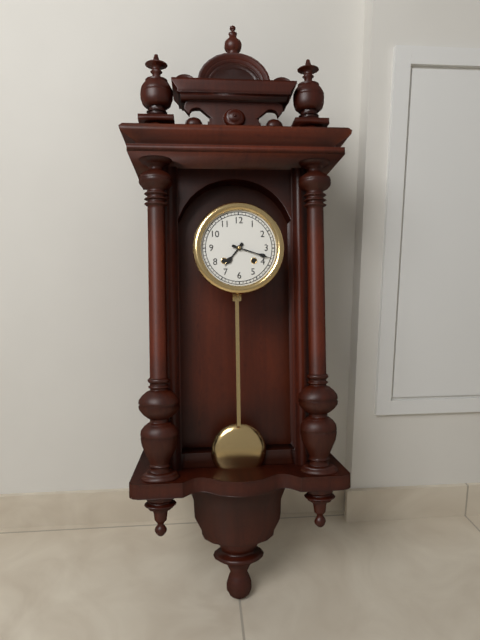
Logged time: 7:18
